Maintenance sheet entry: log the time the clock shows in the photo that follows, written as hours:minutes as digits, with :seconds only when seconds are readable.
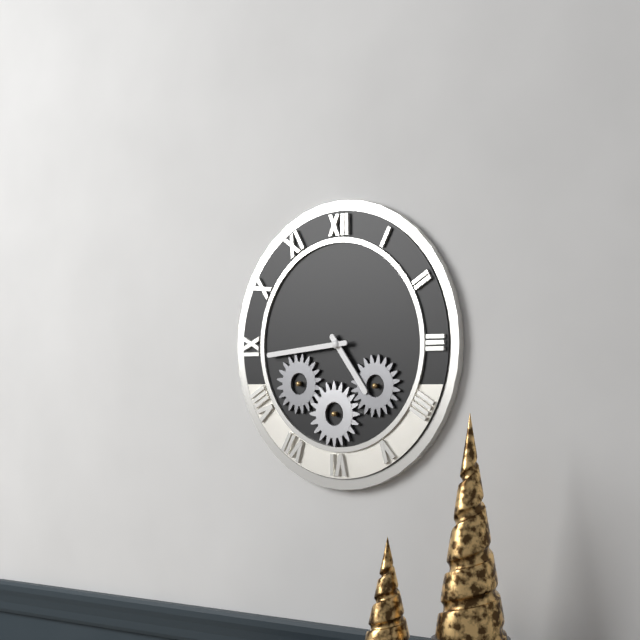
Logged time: 4:44
